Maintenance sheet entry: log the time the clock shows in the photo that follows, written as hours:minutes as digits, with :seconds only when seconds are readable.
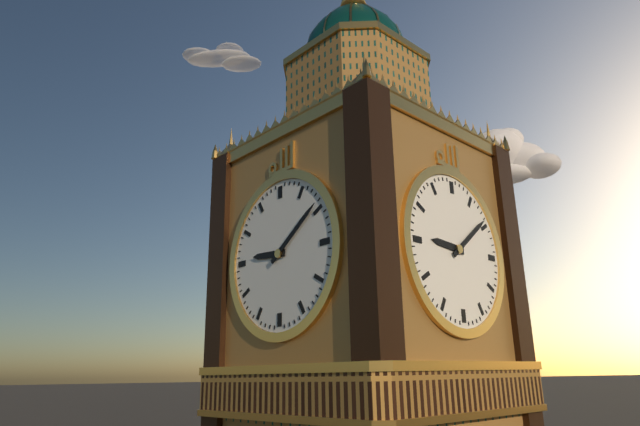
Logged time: 9:09
